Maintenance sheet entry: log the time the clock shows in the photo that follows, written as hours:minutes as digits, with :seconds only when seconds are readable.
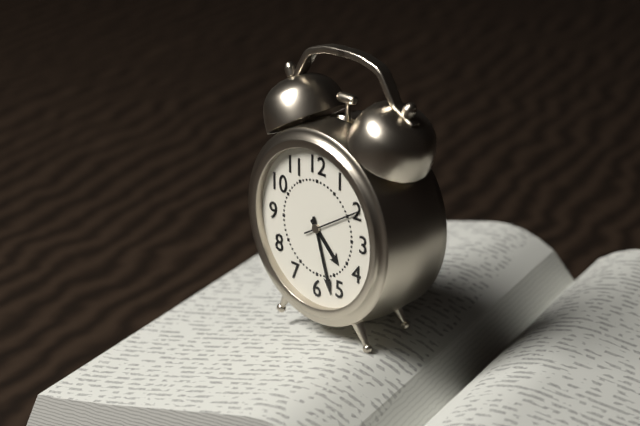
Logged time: 4:27:10
